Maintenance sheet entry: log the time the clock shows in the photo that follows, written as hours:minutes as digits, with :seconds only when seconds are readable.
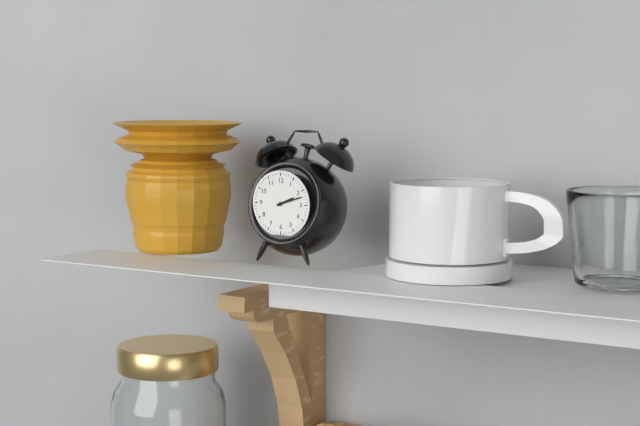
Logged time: 2:12
